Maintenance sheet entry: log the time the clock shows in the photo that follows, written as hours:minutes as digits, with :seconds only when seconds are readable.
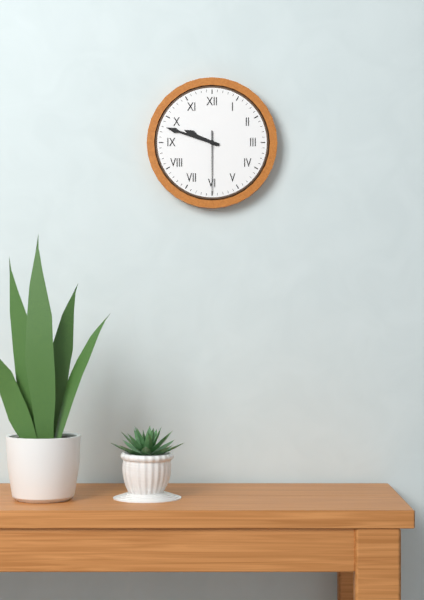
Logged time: 9:48:30
